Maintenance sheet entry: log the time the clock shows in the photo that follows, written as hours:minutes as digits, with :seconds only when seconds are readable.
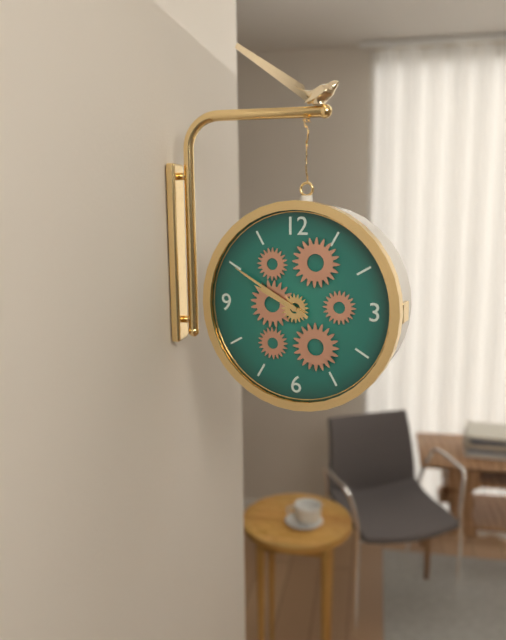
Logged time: 9:50
